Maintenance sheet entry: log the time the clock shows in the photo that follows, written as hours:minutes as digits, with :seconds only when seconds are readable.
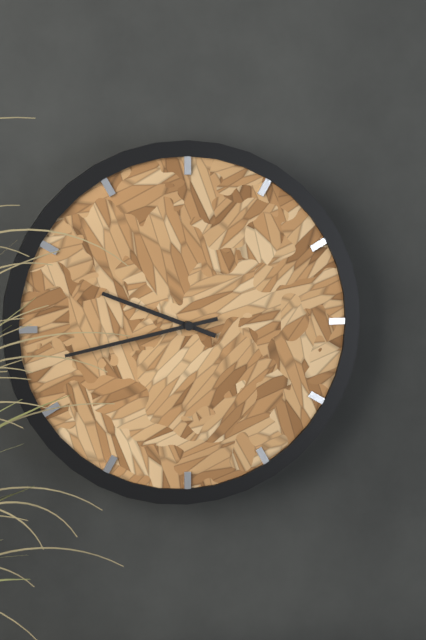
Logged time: 9:43
